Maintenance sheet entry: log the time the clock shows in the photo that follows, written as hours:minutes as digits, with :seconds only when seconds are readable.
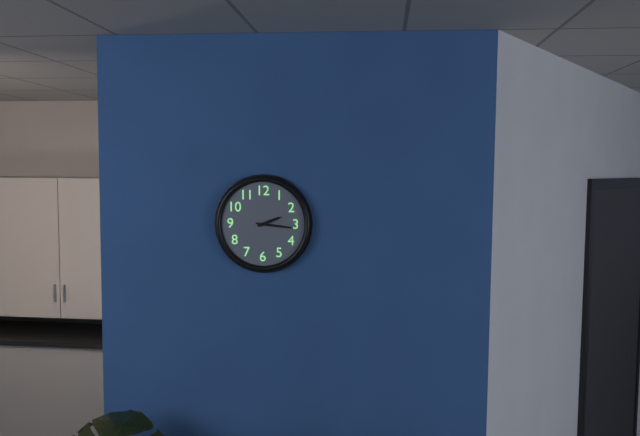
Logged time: 2:16
